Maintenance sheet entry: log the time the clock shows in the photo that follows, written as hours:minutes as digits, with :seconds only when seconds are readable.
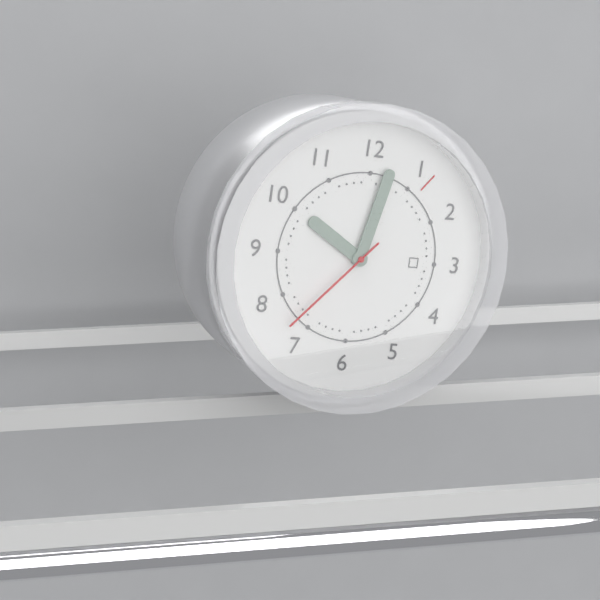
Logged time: 10:02:37
